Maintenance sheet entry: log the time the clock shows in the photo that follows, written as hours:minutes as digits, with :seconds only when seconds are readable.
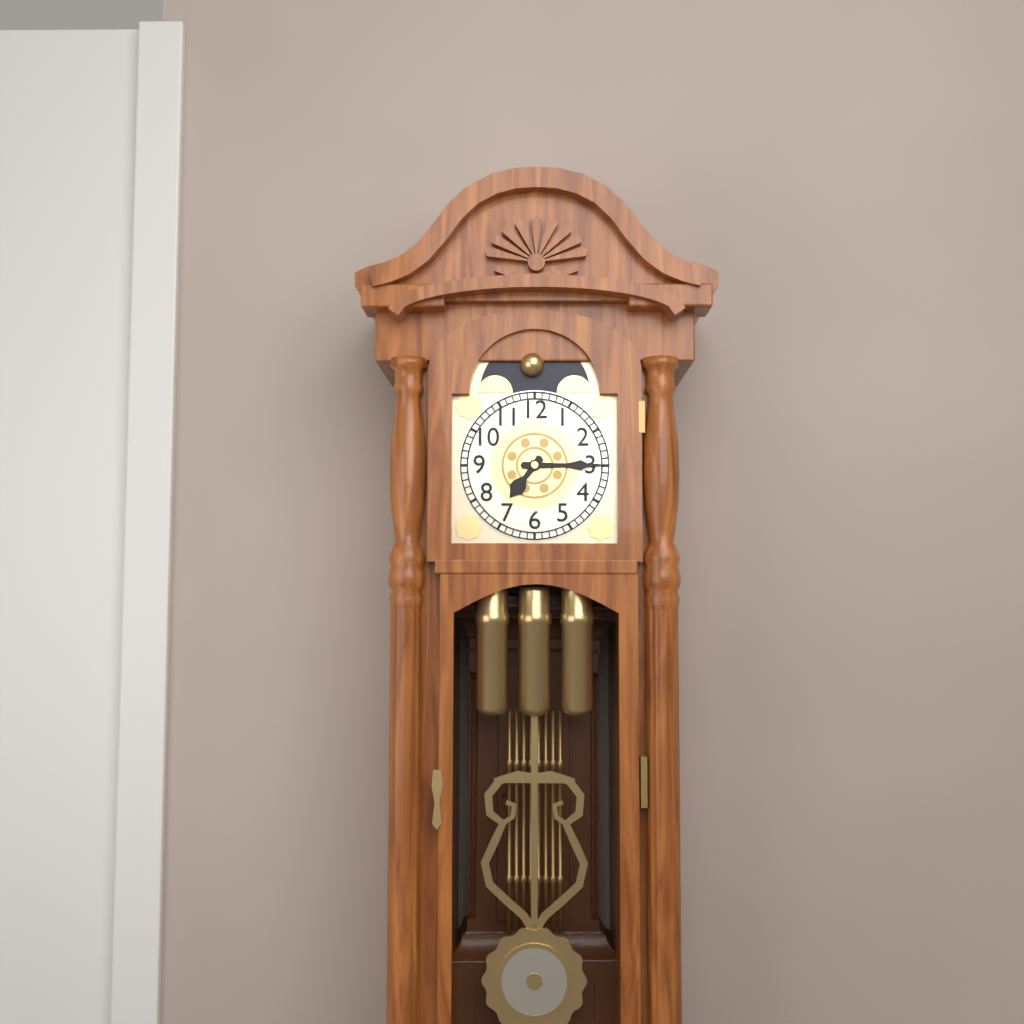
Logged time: 7:15
